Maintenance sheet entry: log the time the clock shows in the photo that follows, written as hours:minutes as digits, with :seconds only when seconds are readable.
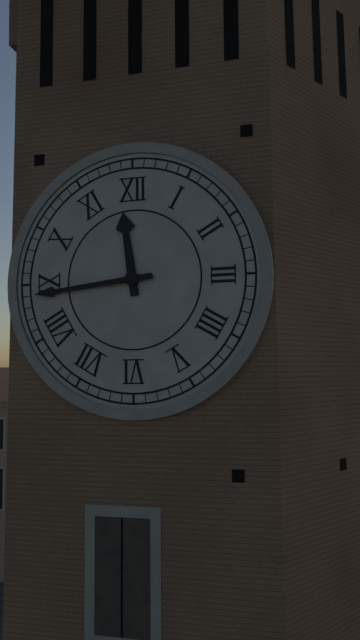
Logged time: 11:44
